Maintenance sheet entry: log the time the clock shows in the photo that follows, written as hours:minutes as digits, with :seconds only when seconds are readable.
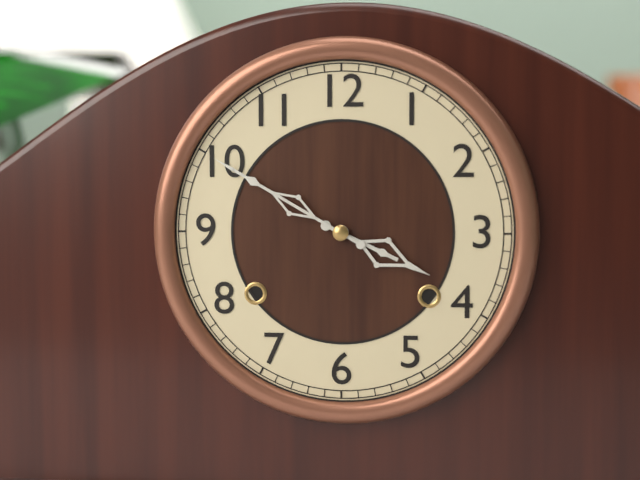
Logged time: 3:50
